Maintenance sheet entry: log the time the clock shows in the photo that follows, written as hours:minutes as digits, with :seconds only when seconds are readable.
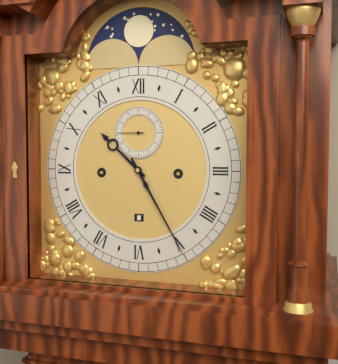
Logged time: 10:25
